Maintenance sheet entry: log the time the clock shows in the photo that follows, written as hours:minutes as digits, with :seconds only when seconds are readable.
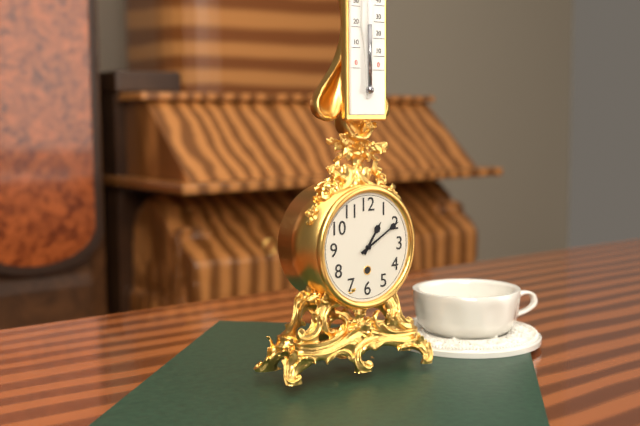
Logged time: 1:10
